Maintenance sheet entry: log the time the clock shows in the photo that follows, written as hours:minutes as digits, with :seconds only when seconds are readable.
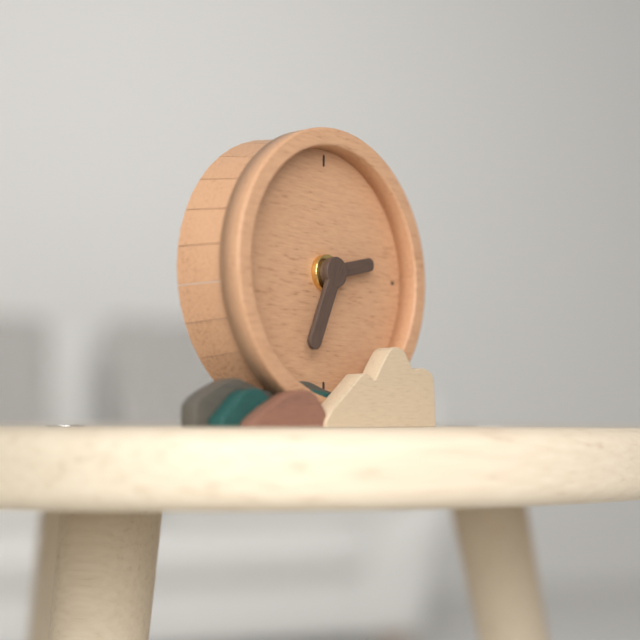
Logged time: 2:34
